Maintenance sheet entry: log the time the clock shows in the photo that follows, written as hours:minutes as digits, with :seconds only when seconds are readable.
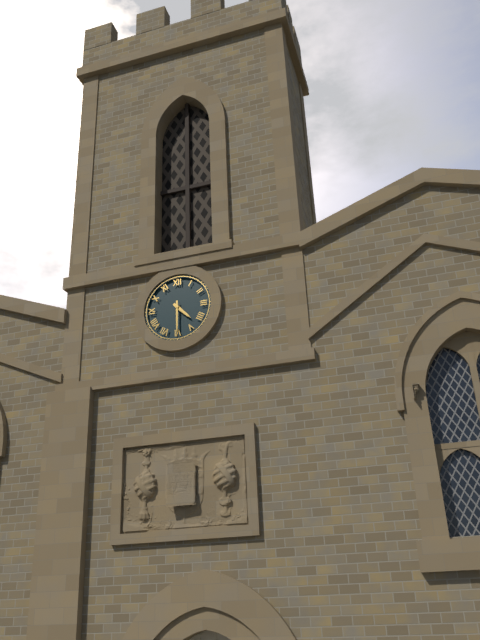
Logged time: 4:30
